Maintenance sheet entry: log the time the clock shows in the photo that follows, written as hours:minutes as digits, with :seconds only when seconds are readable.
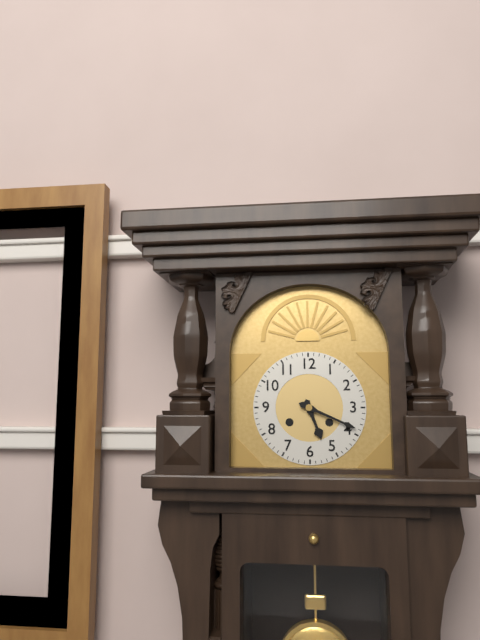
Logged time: 5:19
